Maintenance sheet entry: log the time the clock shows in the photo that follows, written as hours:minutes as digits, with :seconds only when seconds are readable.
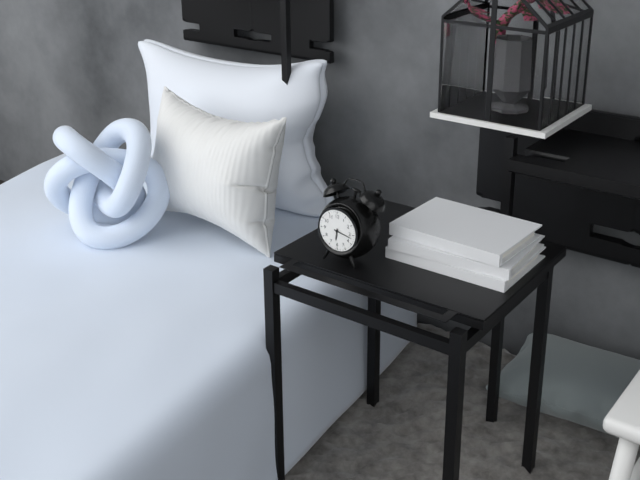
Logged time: 6:17
